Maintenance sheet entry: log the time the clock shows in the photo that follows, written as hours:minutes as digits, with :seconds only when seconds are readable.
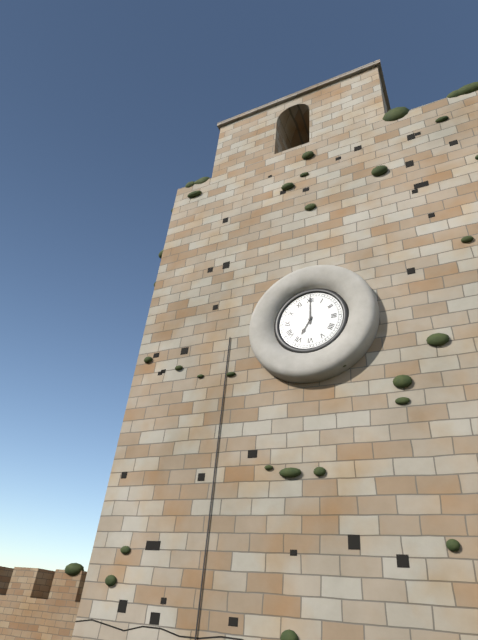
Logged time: 7:00
